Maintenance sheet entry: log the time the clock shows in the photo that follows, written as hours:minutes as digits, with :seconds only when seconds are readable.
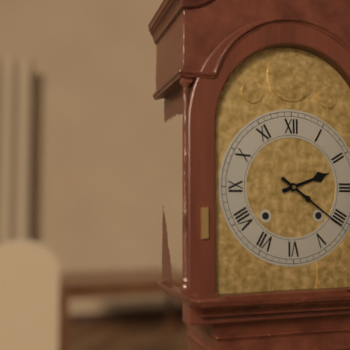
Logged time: 2:21
